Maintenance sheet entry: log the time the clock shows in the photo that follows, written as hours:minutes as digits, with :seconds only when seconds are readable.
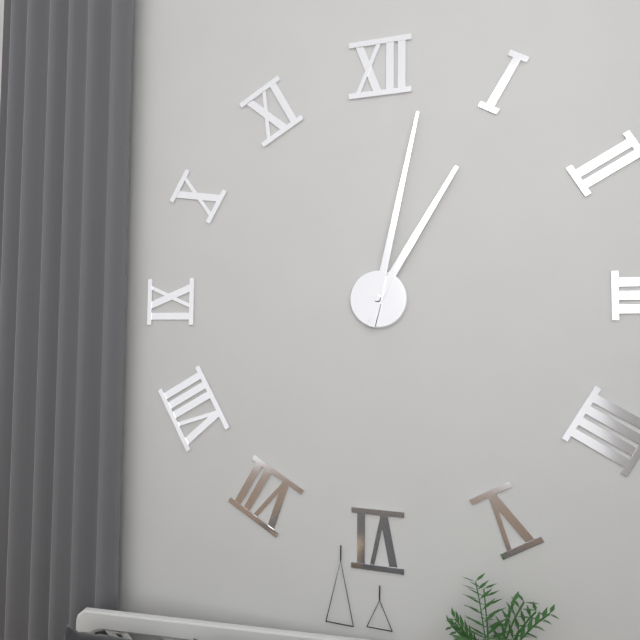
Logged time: 1:02
